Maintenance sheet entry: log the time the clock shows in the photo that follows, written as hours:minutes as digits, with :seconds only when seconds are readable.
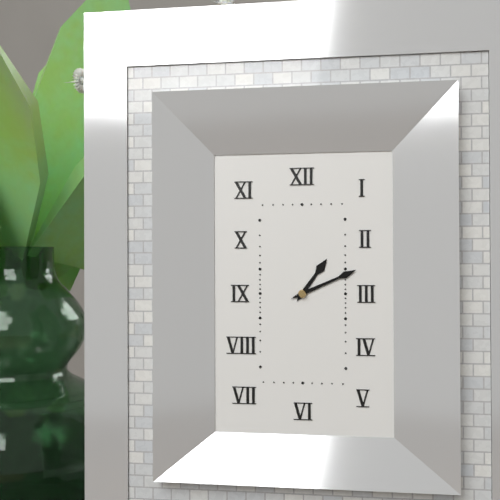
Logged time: 1:11
